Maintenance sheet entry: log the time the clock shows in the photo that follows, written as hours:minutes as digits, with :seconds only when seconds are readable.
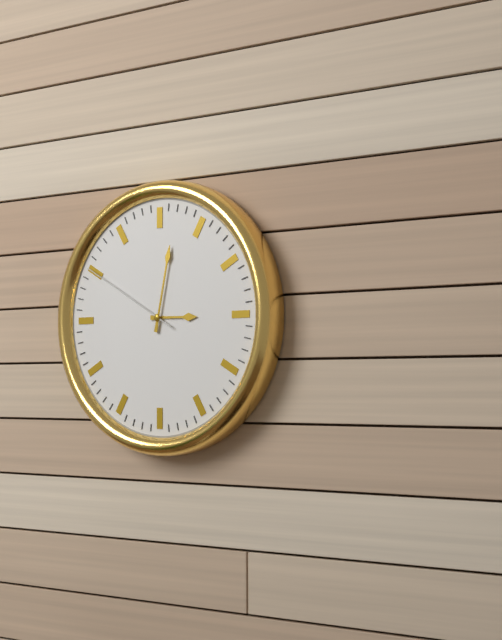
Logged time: 3:02:50
